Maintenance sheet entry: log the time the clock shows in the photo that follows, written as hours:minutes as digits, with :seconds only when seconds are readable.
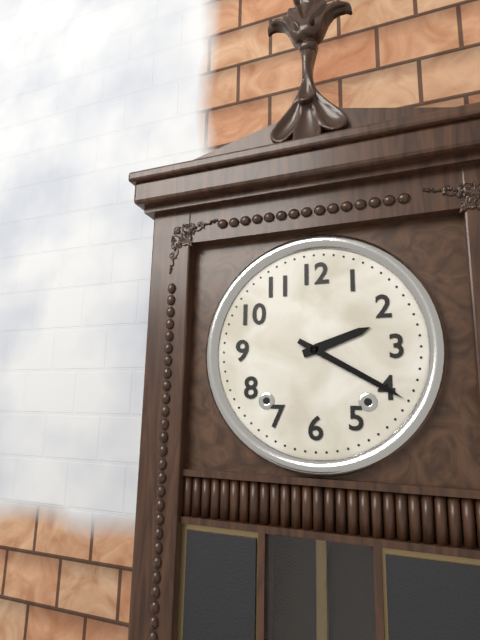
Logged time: 2:20
